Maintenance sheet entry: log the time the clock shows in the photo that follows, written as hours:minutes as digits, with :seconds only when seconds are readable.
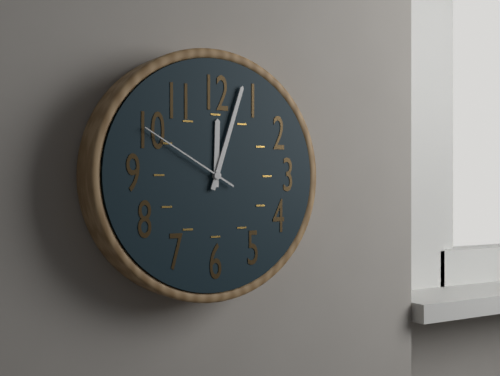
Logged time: 12:03:50
